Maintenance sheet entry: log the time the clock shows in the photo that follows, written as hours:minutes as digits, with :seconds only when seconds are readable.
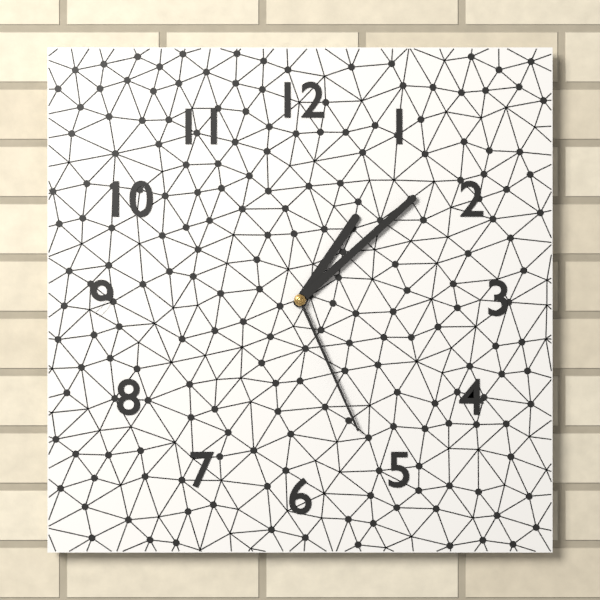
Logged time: 1:08:26
